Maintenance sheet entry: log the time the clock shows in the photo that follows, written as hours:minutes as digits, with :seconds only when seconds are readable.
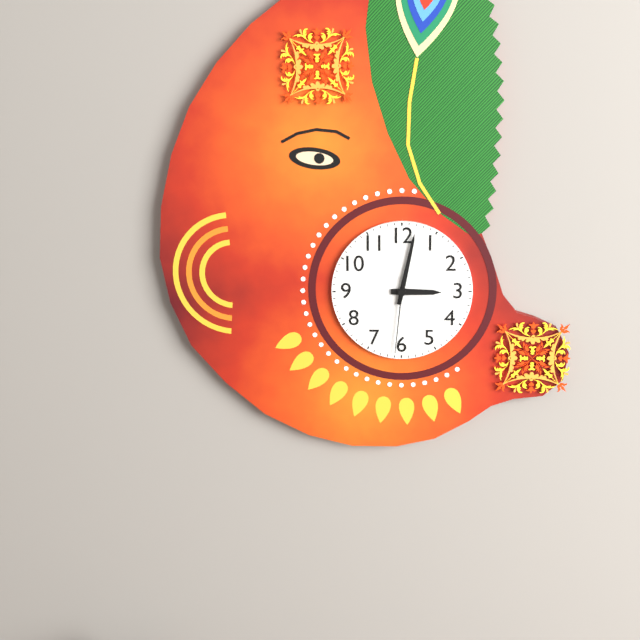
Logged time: 3:02:31
